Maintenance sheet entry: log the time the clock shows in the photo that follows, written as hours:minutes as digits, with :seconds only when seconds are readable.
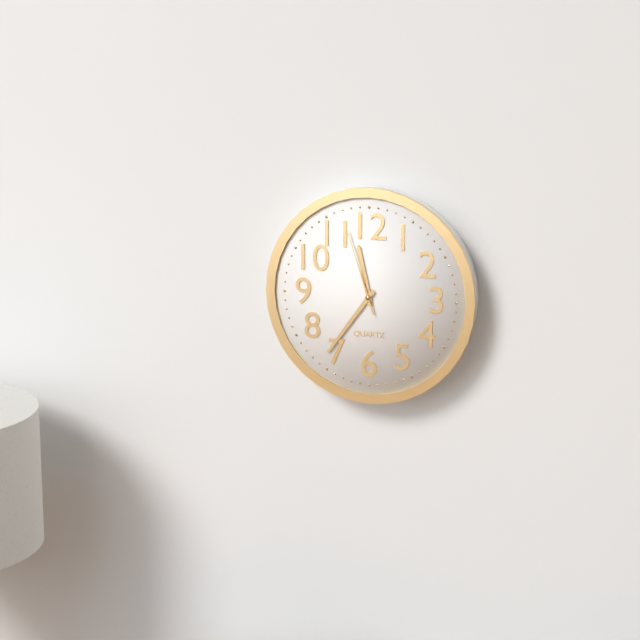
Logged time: 11:36:57
